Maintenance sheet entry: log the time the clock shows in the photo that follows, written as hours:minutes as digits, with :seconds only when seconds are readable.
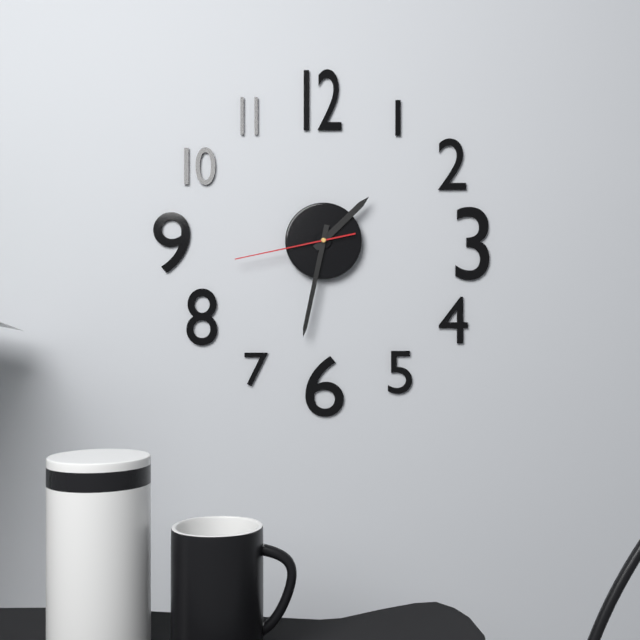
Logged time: 1:32:43
